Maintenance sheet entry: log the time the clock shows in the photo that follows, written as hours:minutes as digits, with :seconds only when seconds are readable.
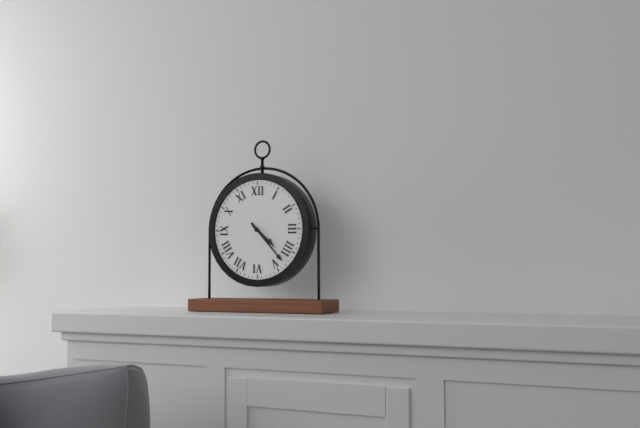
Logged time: 4:23
